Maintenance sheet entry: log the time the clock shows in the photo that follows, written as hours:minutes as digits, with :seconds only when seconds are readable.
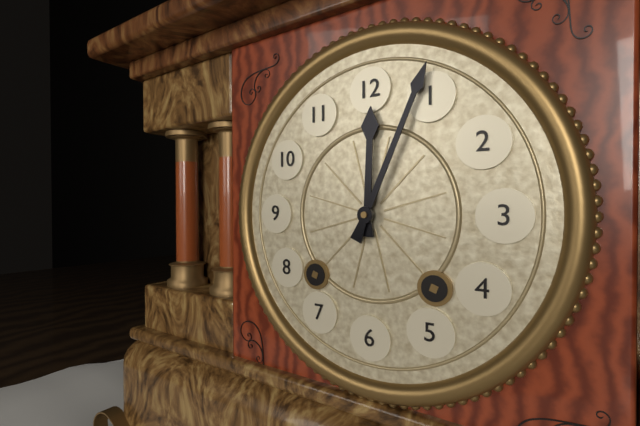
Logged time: 12:04
